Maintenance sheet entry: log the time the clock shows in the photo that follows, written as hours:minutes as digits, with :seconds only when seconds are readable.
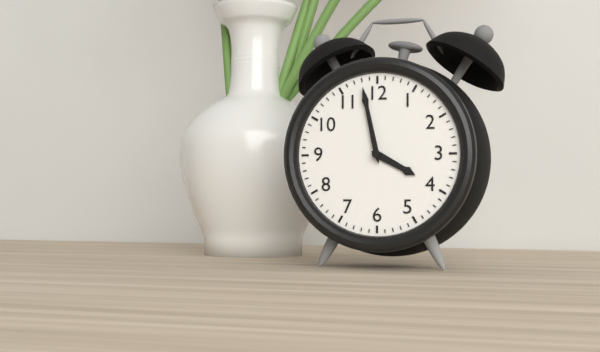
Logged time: 3:58
